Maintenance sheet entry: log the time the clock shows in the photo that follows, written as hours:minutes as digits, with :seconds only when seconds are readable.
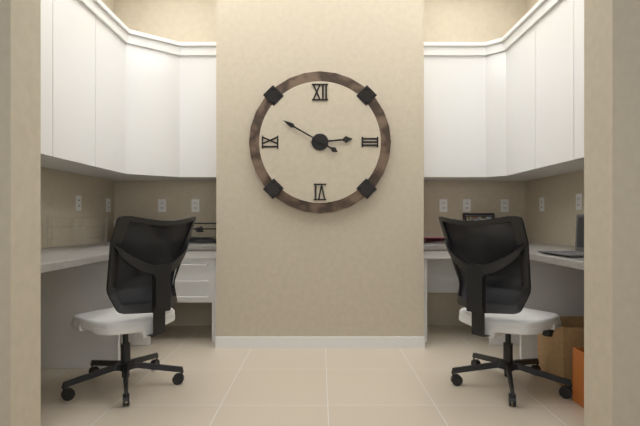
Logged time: 2:50
